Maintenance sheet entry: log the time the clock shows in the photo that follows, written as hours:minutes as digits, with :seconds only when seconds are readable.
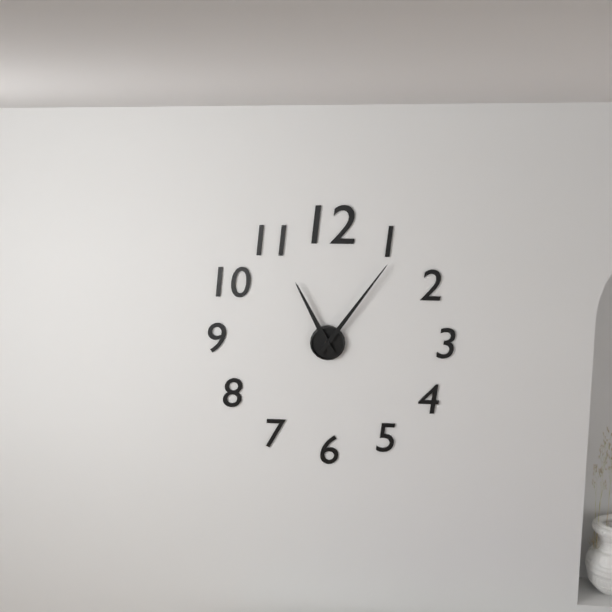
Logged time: 11:06
